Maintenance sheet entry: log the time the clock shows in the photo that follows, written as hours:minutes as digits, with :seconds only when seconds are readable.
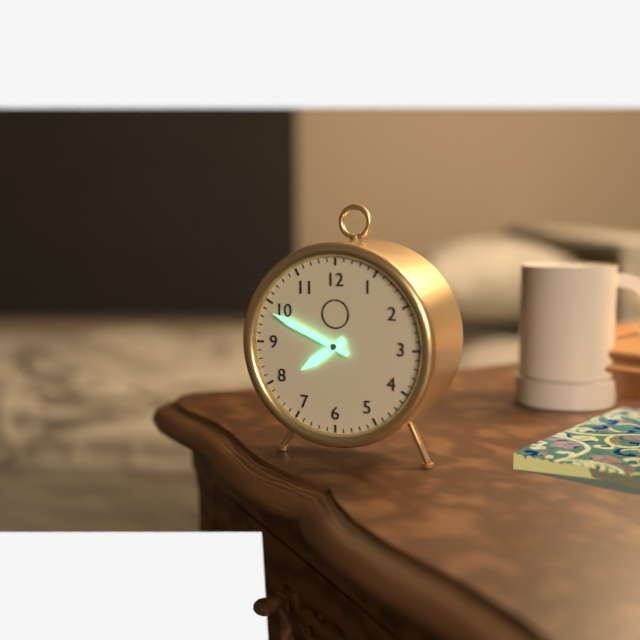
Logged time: 7:49
